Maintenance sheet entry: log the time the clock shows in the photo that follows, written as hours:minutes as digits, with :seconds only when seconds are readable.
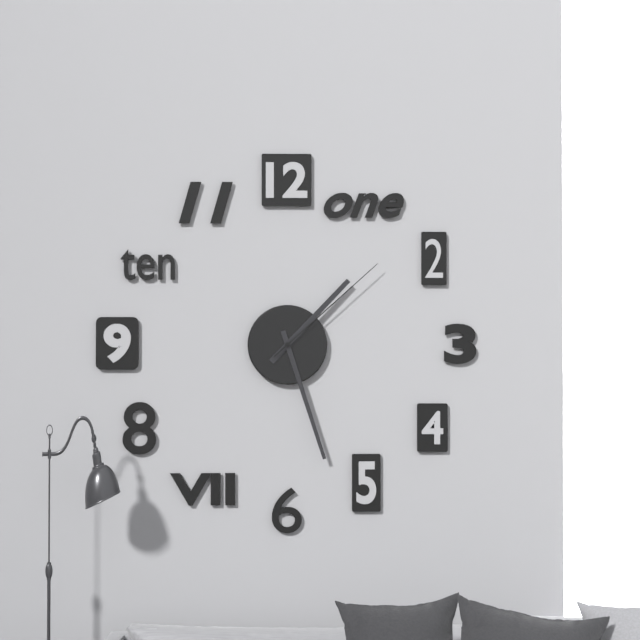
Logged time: 1:27:08
